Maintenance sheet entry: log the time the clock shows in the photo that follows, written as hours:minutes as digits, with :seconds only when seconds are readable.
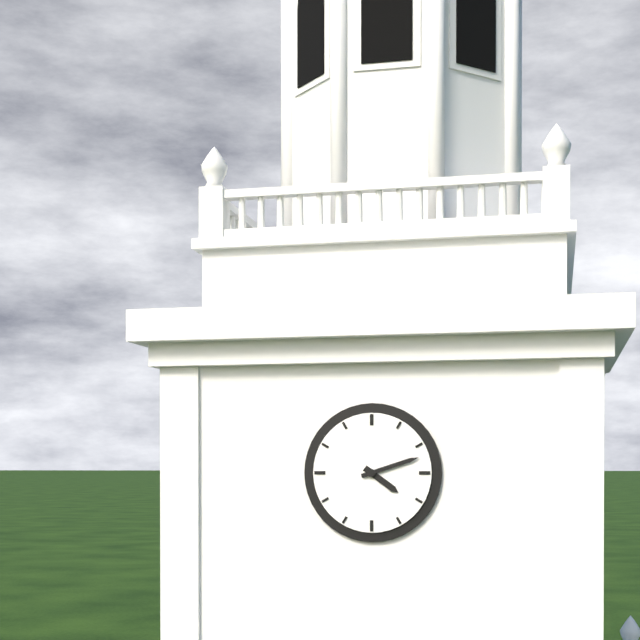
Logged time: 4:12
